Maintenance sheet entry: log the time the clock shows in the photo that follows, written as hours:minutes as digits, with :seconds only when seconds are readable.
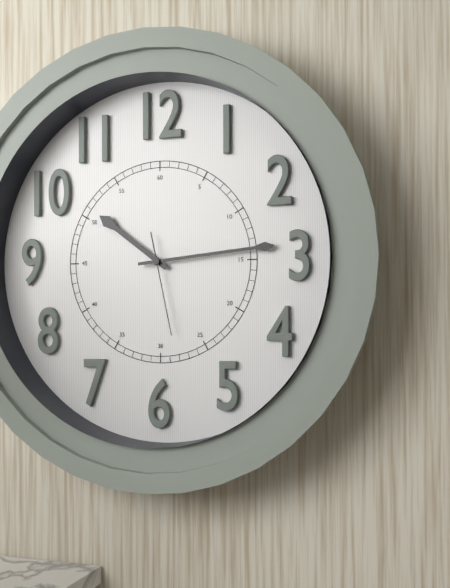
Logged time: 10:14:28
